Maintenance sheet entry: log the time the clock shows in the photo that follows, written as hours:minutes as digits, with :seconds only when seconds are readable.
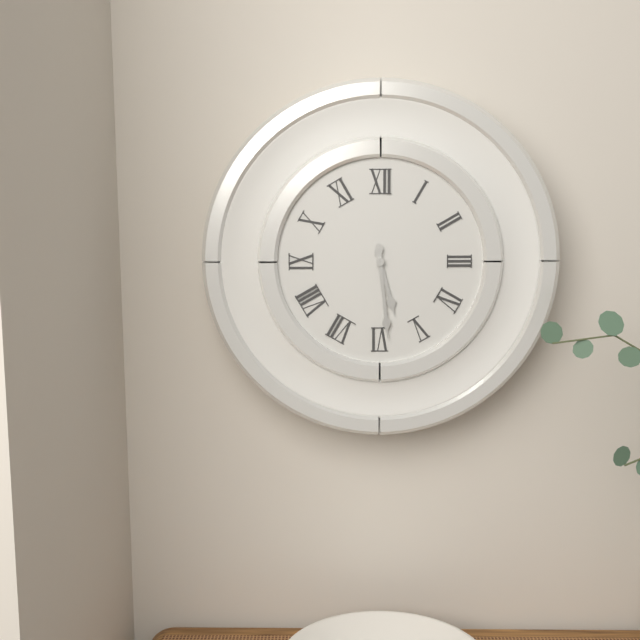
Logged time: 5:29
